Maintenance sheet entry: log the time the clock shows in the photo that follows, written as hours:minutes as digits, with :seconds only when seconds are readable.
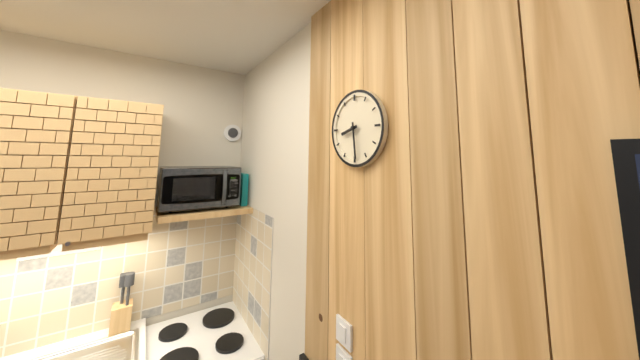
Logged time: 8:29
